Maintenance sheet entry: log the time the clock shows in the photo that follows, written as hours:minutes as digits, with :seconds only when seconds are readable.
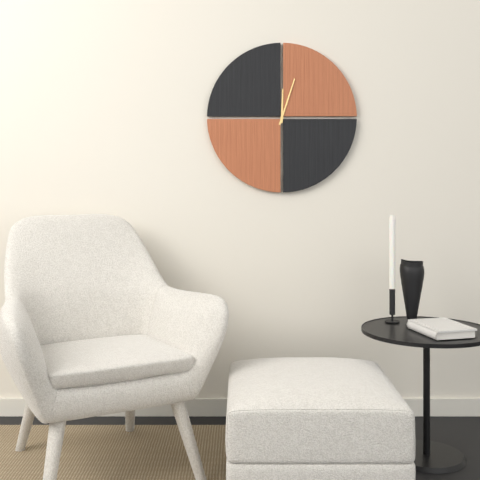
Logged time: 12:03
